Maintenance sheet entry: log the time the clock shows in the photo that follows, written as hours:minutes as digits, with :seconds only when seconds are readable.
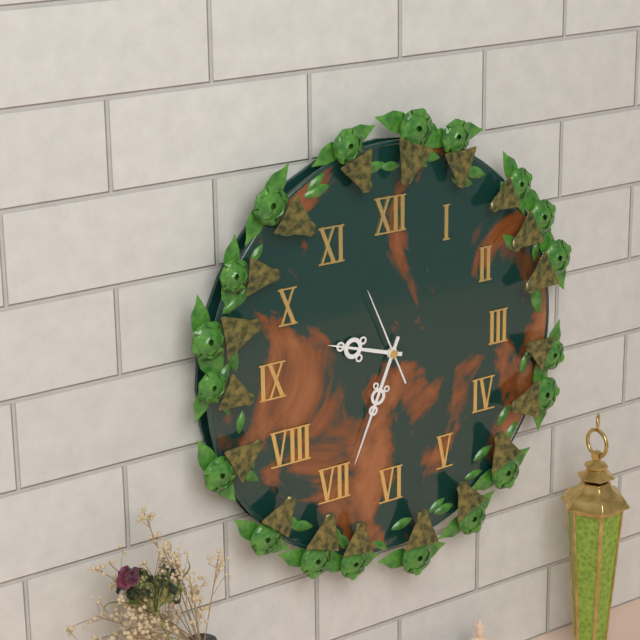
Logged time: 9:34:56
